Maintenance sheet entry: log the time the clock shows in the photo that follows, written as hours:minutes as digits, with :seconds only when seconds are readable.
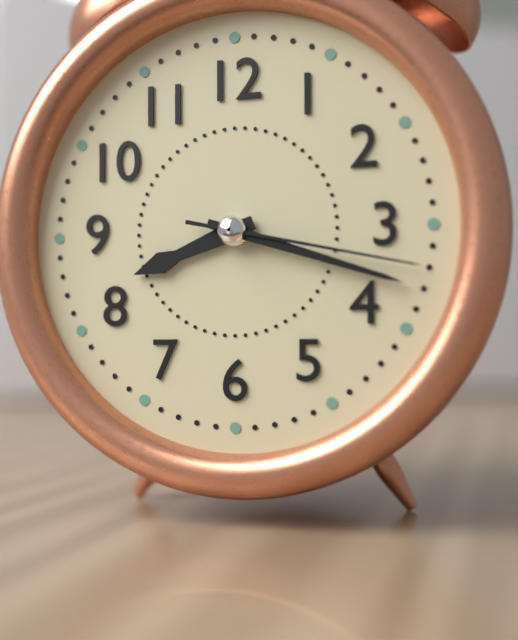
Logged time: 8:18:17
